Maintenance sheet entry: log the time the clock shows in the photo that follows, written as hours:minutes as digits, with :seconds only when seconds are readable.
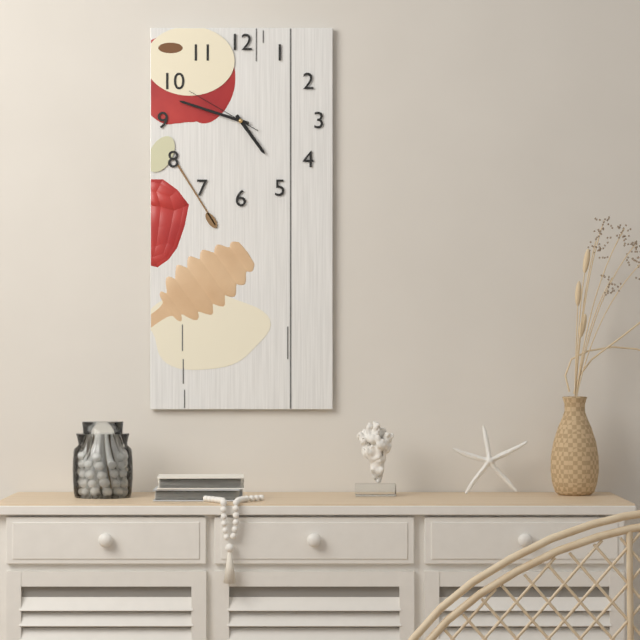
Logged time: 4:48:50
